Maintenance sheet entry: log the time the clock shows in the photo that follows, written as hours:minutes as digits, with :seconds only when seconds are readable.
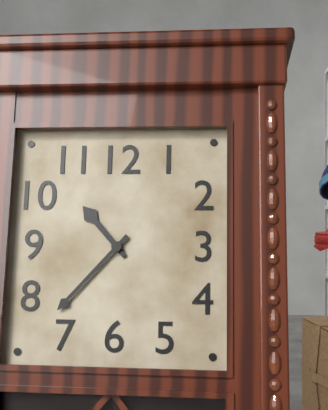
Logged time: 10:37
